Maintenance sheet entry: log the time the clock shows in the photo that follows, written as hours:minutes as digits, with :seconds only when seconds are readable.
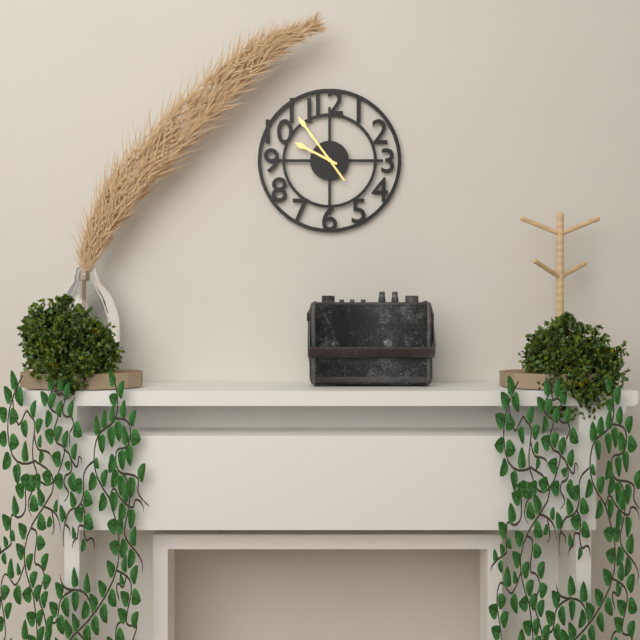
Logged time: 9:54
